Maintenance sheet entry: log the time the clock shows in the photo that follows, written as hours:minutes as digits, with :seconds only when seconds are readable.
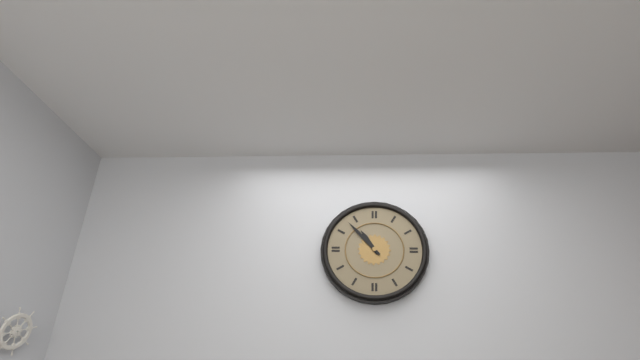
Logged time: 10:53
